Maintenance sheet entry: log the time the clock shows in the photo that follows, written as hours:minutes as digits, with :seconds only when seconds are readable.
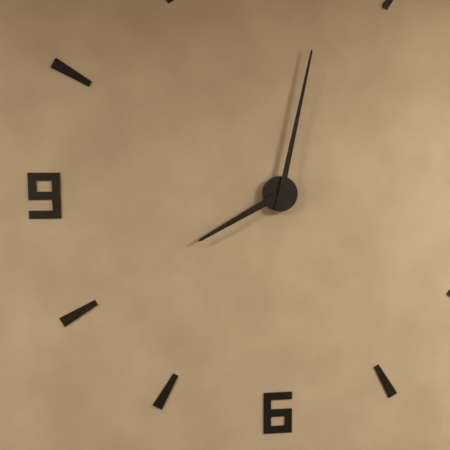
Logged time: 8:02
